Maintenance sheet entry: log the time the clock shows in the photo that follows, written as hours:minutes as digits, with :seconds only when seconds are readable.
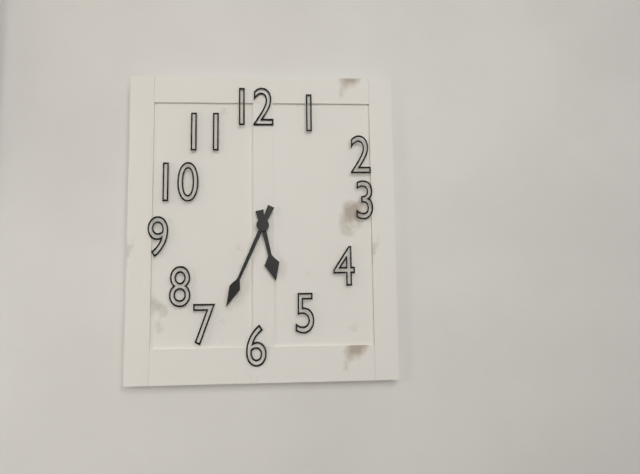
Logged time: 5:34
